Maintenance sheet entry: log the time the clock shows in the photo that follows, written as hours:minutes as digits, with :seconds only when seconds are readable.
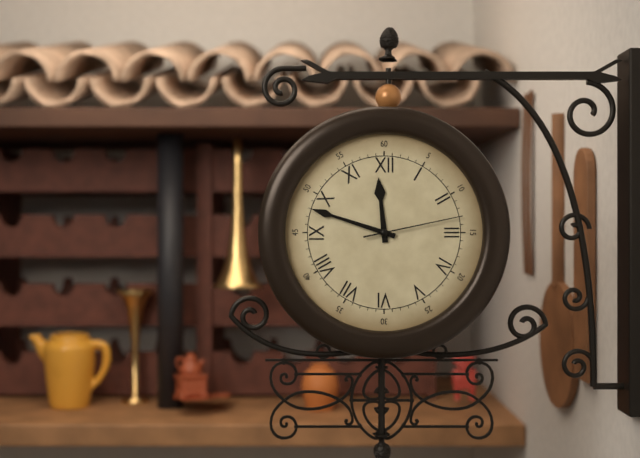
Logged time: 11:48:13
